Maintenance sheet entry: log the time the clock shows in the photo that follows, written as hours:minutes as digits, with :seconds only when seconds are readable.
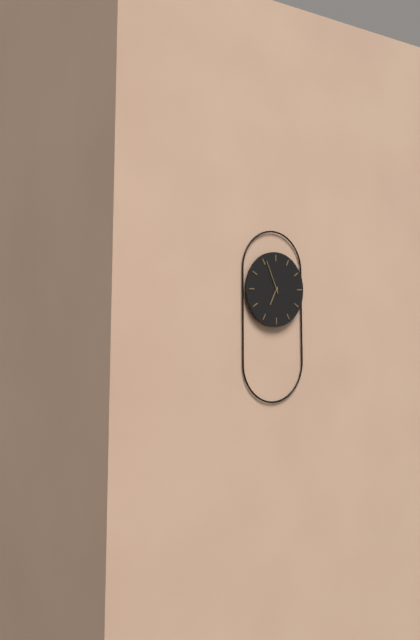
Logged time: 6:56
